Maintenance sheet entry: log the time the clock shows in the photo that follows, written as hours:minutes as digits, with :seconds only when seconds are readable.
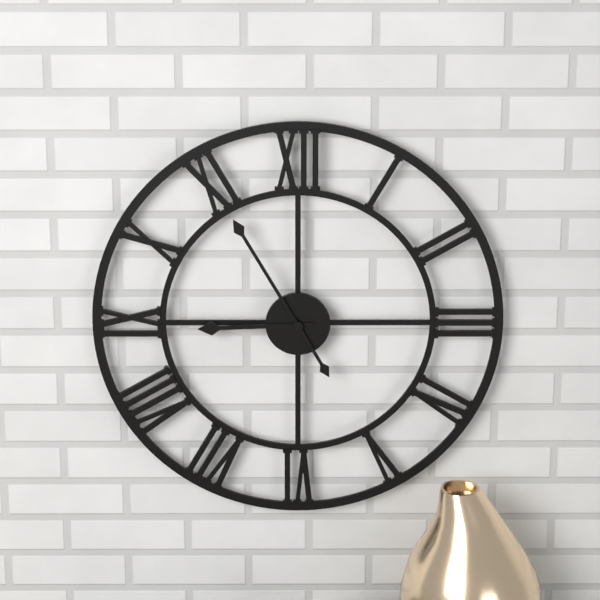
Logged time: 8:55
